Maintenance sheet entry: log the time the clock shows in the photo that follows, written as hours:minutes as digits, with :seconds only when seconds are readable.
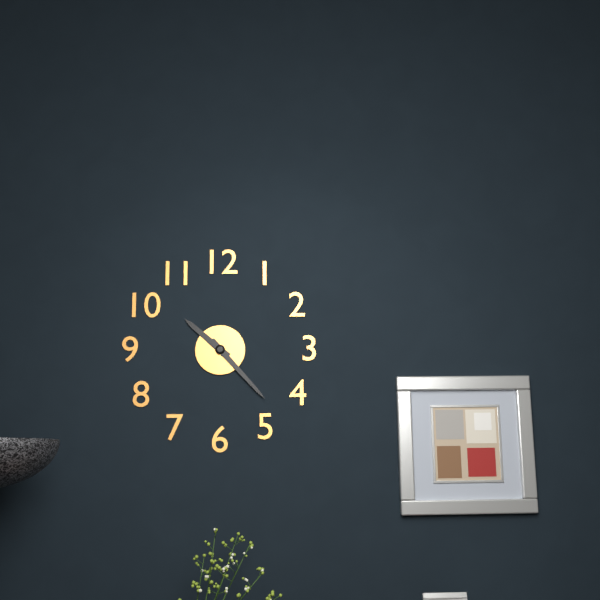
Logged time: 10:23
